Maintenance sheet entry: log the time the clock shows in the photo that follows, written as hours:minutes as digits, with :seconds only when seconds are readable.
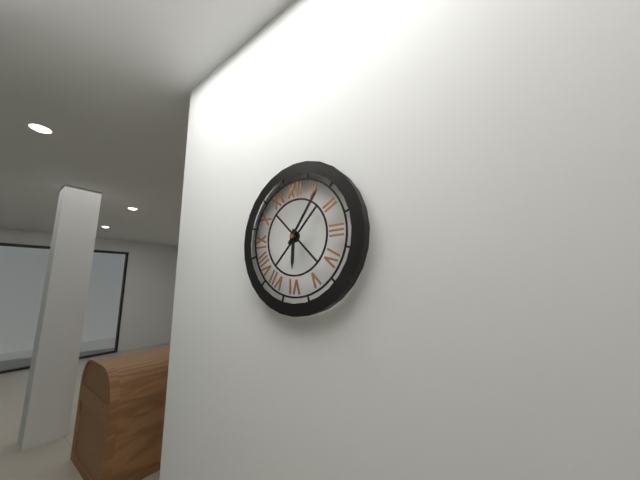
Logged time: 6:06
